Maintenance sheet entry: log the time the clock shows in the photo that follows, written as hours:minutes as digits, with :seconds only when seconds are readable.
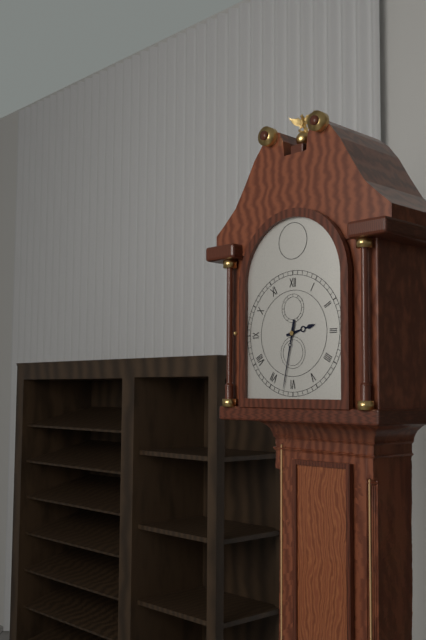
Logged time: 2:32
